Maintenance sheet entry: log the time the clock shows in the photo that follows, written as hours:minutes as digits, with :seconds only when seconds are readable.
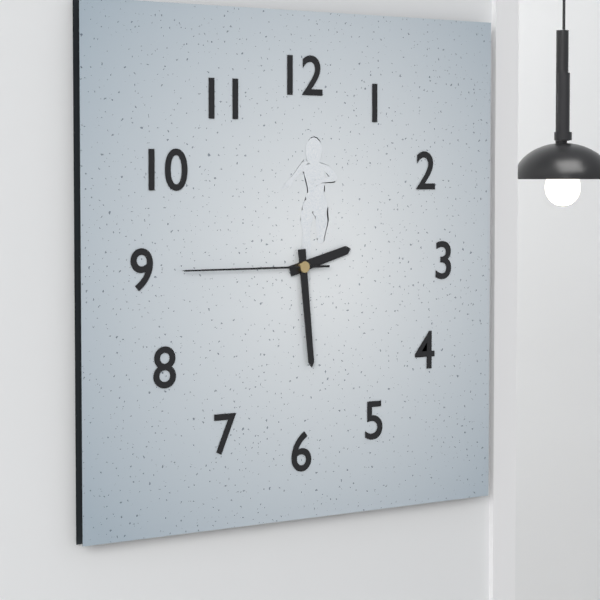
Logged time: 2:29:45
